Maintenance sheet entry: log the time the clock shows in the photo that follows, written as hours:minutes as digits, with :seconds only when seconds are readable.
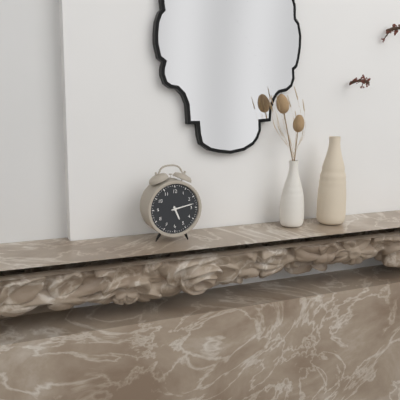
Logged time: 5:13
